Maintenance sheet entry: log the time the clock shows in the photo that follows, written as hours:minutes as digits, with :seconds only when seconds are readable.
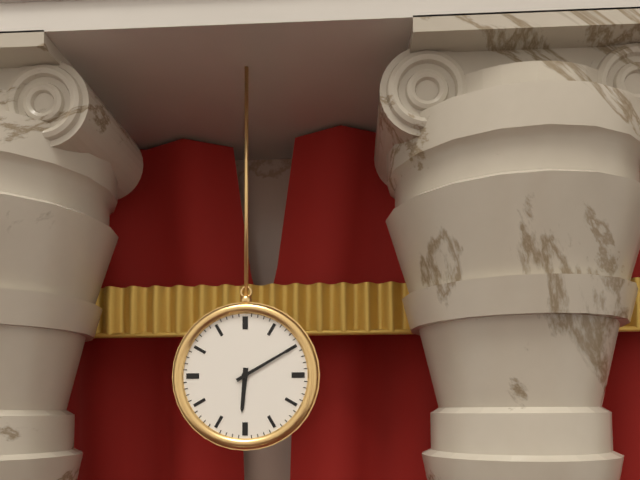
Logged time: 6:10
